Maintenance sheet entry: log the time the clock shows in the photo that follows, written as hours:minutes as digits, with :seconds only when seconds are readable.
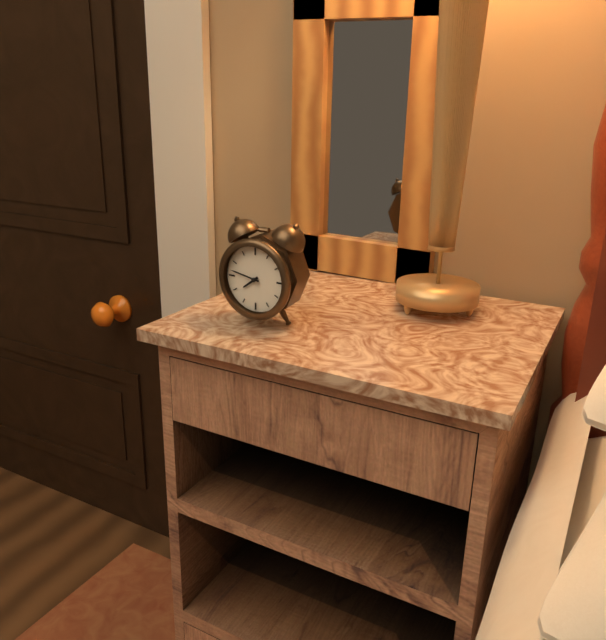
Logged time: 7:47
